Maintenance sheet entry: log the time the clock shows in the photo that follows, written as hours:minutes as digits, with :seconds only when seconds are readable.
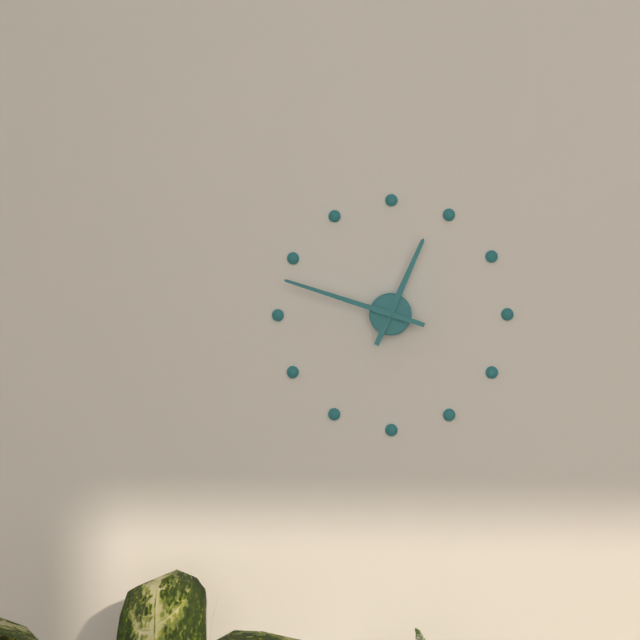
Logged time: 12:48
